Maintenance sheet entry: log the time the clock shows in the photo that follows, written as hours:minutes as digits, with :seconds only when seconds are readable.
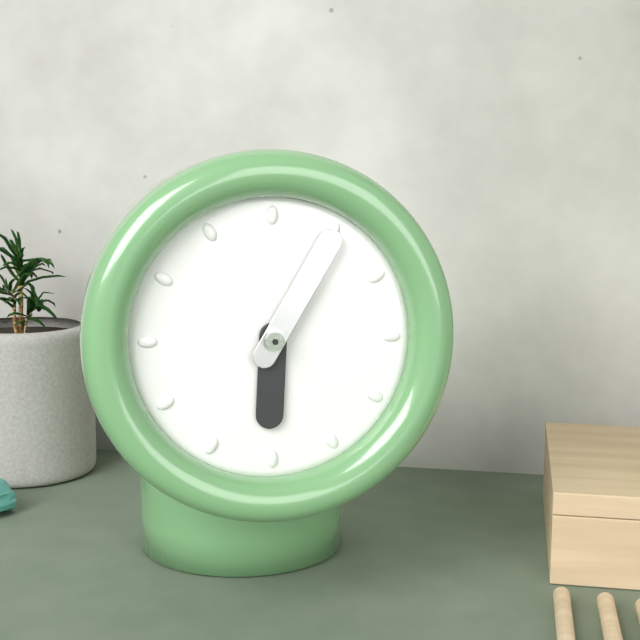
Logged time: 6:05
